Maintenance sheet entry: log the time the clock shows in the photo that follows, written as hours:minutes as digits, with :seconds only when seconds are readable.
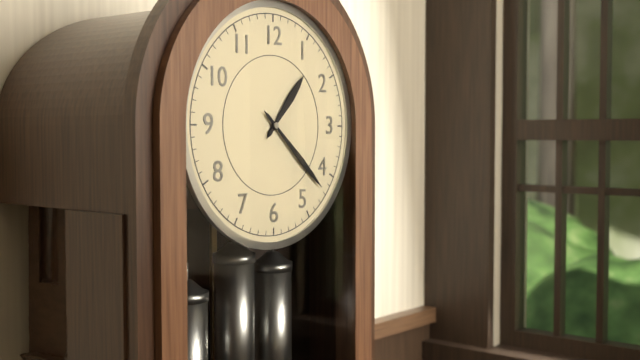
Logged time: 1:22
